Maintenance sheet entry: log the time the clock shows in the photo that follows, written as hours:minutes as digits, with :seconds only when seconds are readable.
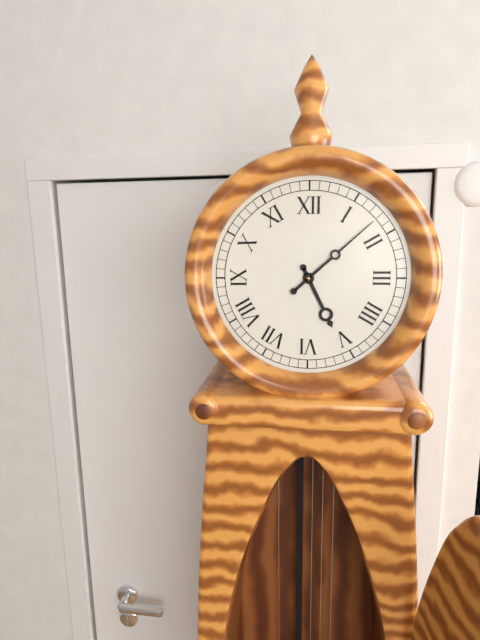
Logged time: 5:08
